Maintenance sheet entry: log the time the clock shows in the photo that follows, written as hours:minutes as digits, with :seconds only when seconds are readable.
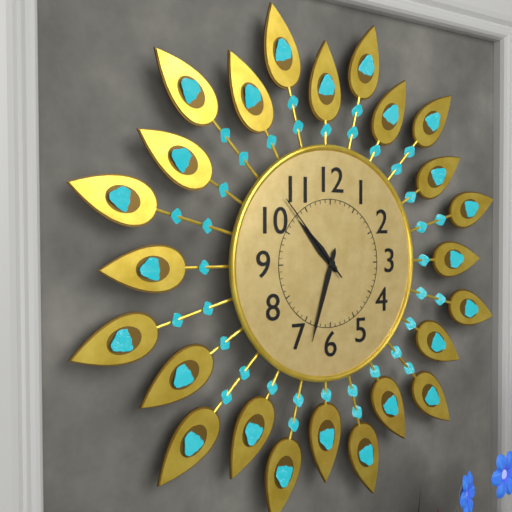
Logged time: 10:33:53
